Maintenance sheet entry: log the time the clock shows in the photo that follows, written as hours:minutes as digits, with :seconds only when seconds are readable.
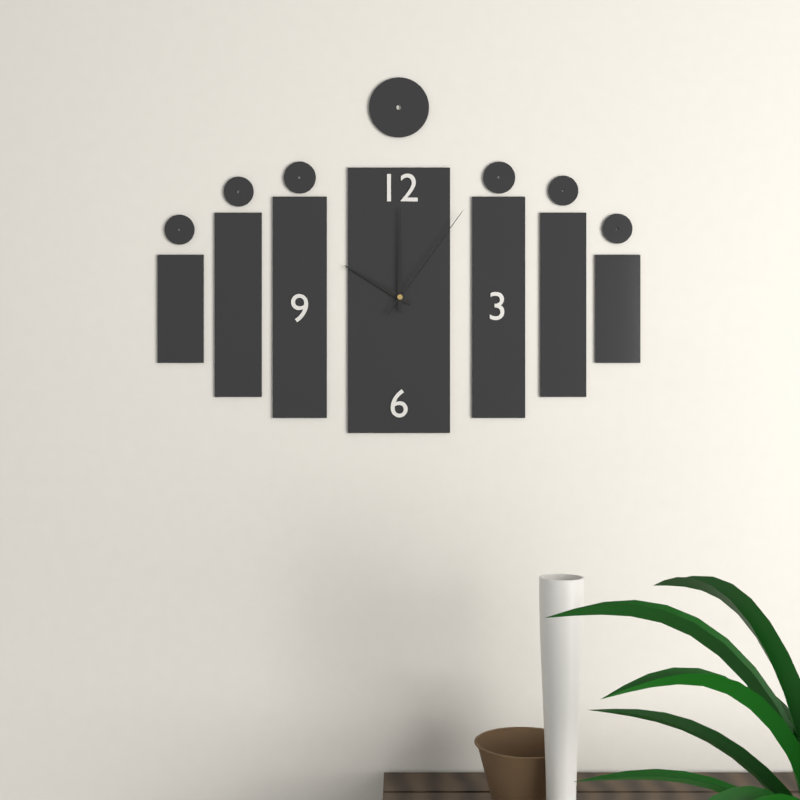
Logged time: 10:00:06
